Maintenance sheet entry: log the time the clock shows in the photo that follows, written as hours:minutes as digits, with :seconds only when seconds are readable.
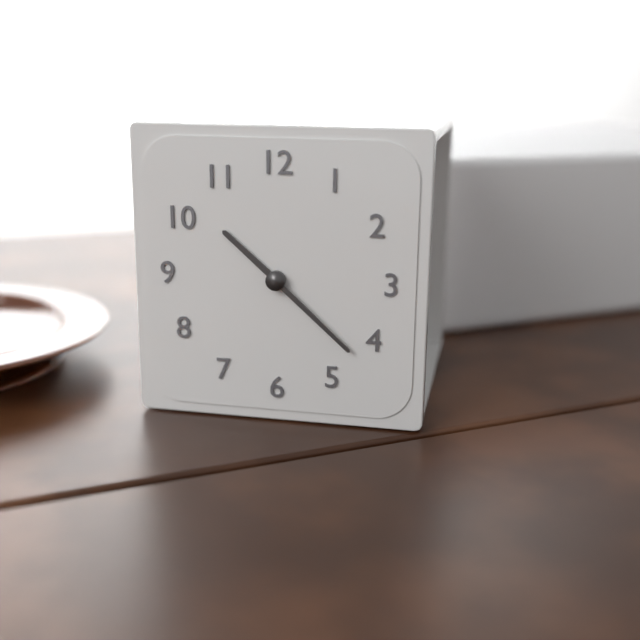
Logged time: 10:22
